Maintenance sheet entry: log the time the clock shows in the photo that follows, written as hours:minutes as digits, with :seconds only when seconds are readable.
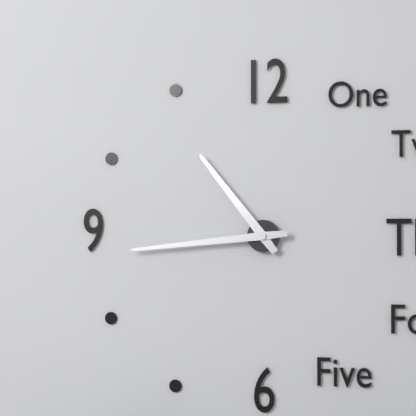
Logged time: 10:44
